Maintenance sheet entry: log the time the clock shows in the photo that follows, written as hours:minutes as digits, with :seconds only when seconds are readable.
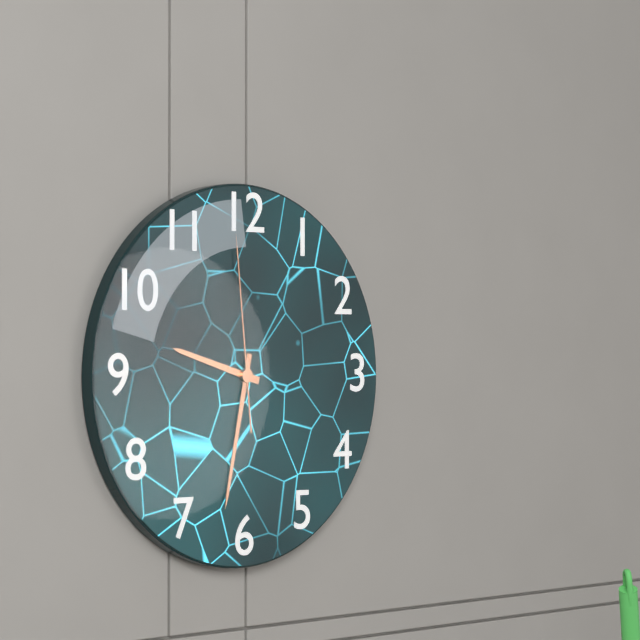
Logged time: 9:32:59
